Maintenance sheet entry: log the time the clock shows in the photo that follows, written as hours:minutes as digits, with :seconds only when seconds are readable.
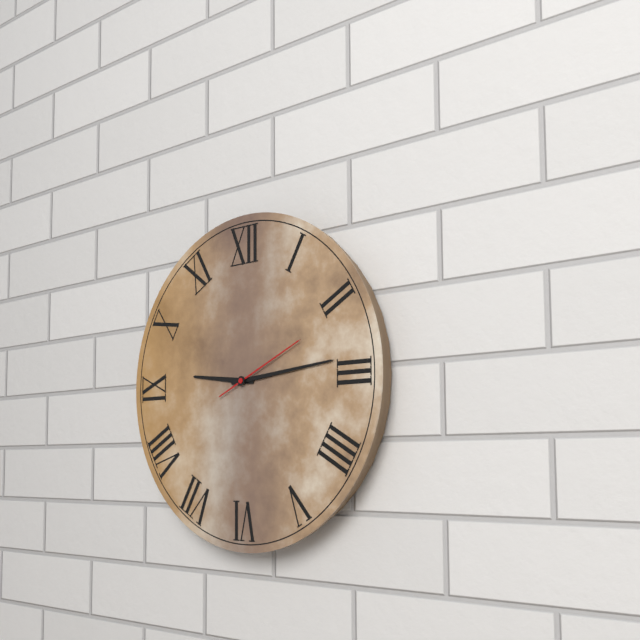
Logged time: 9:14:11
